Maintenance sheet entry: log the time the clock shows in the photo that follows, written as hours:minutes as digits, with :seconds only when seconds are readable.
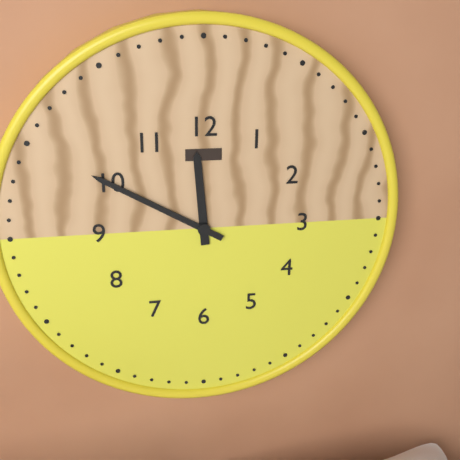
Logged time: 11:50
